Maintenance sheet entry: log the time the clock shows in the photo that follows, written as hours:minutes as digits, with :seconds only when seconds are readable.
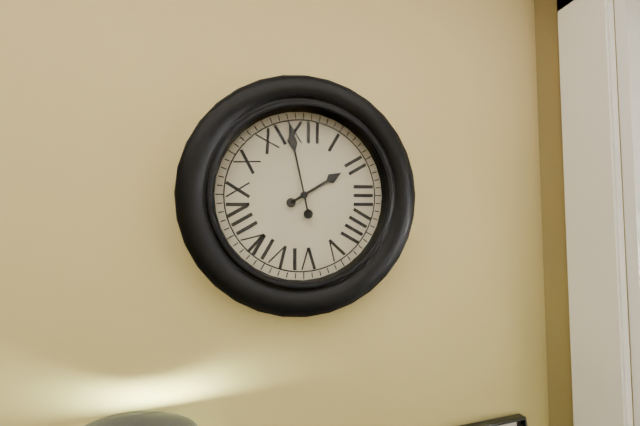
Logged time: 1:58
